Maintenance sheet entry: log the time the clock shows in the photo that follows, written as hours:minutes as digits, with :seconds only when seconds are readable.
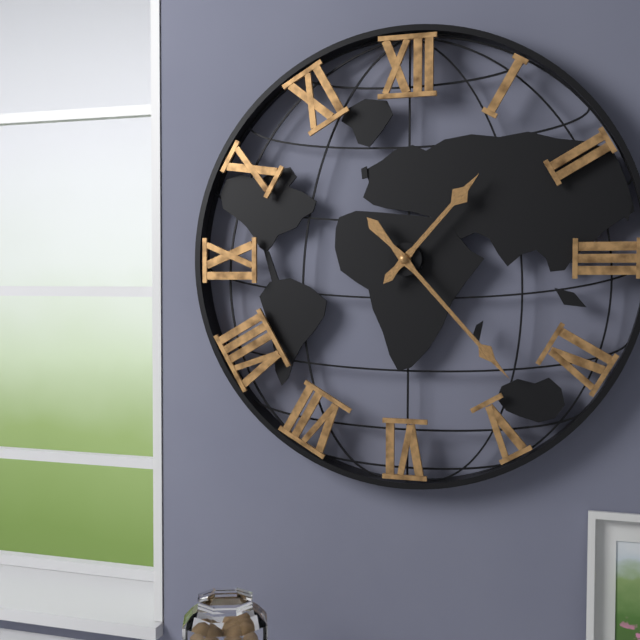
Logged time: 1:23
